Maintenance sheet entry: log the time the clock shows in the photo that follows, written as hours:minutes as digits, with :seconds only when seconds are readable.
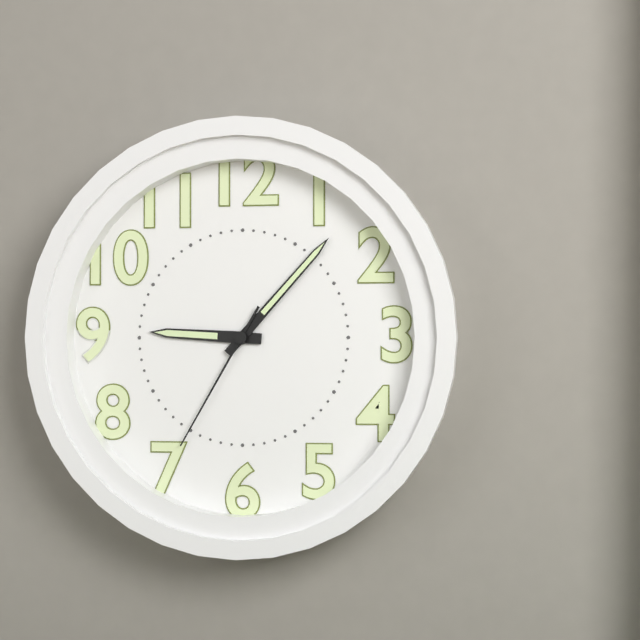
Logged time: 9:07:35
